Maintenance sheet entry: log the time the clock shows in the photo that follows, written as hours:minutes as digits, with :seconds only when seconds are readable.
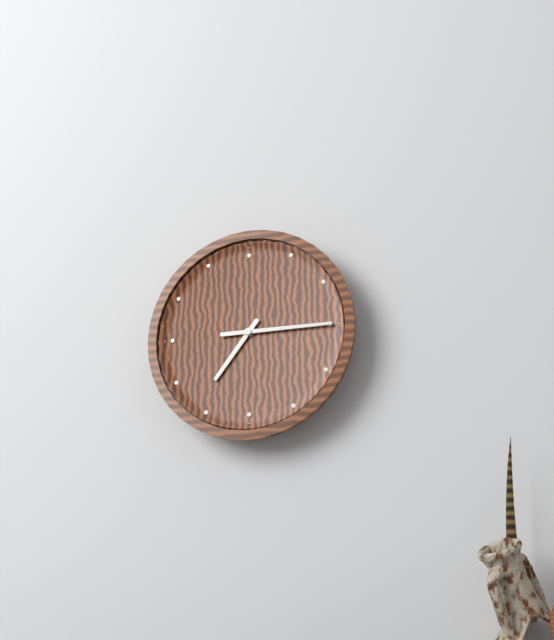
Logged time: 7:15
